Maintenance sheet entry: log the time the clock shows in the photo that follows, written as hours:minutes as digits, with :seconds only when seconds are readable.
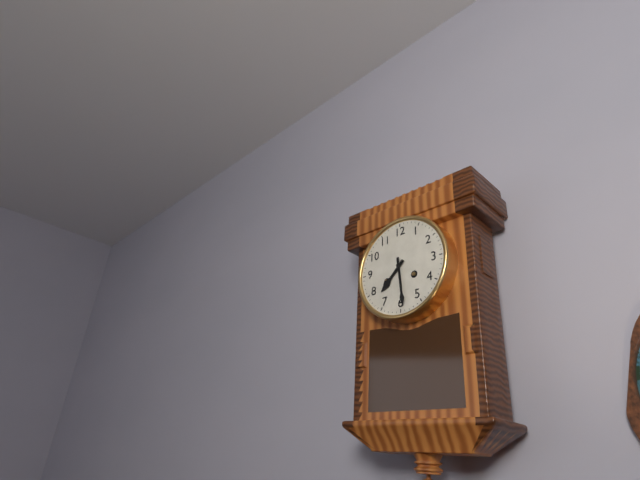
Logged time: 7:29
